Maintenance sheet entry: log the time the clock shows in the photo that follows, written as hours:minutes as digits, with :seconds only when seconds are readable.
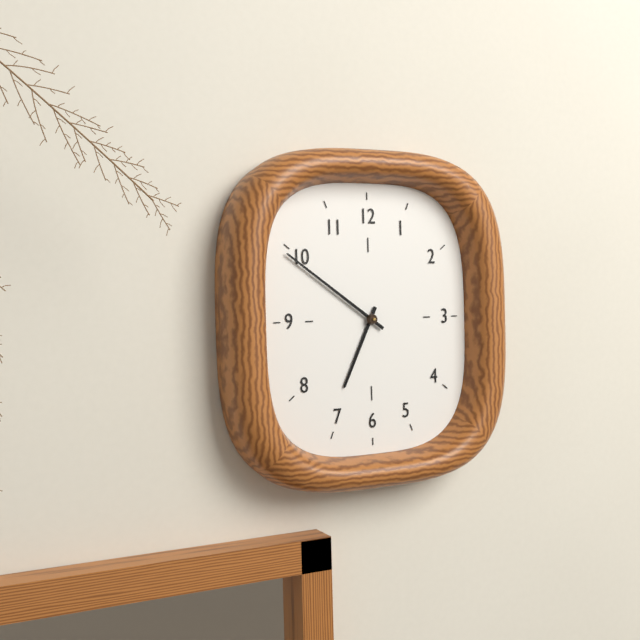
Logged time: 6:51
